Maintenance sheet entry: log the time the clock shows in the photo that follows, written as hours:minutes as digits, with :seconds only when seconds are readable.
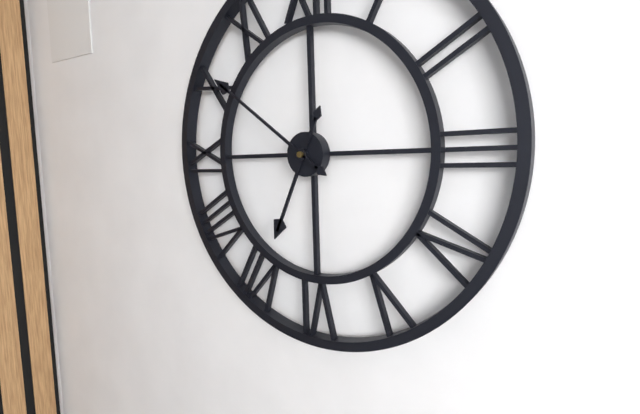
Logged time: 6:51
